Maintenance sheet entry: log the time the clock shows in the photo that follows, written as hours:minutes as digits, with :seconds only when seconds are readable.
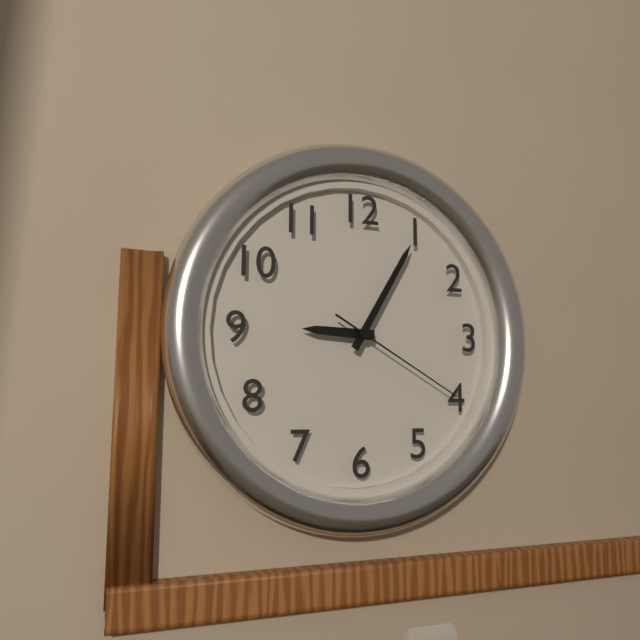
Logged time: 9:05:20
